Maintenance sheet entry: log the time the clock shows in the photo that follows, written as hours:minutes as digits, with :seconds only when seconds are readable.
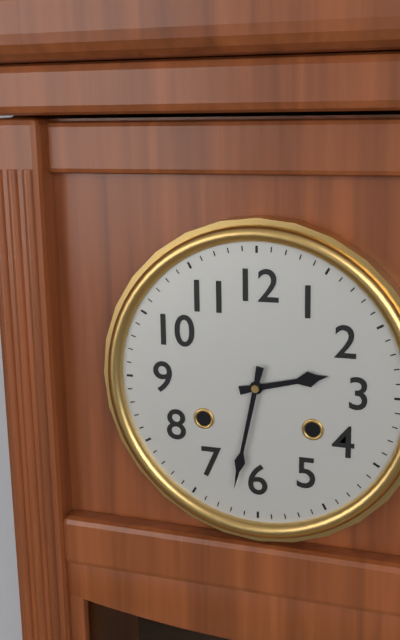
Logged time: 2:32
